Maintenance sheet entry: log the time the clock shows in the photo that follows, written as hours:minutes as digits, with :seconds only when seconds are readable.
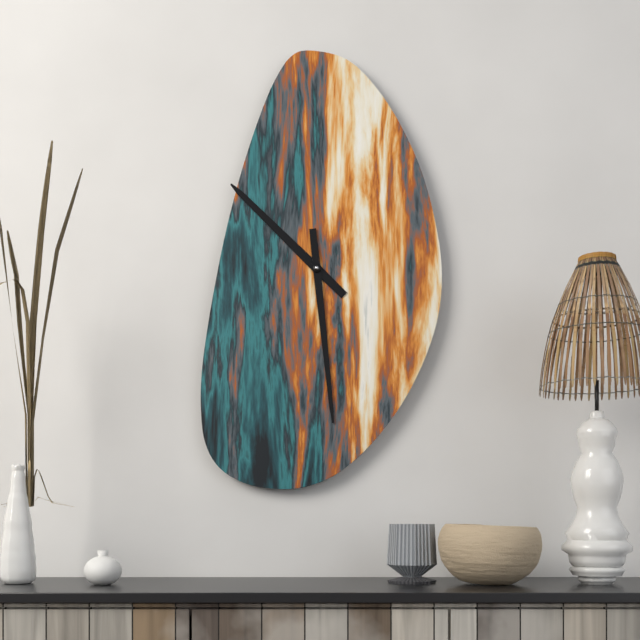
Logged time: 10:29
